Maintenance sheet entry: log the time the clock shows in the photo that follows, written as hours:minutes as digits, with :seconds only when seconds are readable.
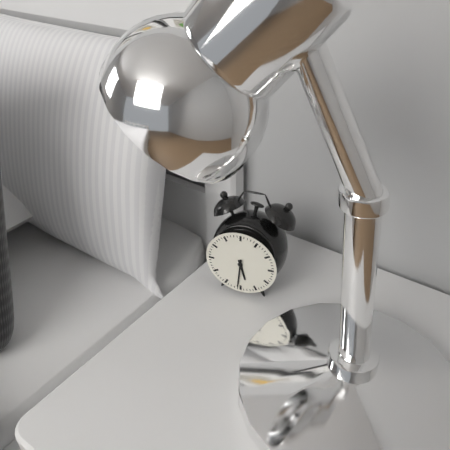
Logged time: 5:31
